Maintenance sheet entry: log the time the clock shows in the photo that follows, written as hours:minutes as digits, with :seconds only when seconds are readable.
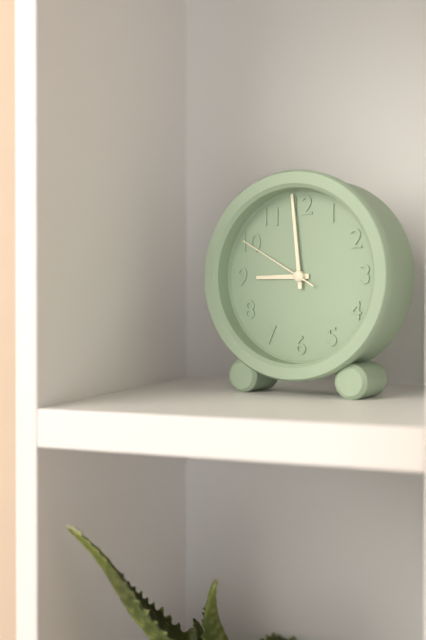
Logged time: 8:59:50
